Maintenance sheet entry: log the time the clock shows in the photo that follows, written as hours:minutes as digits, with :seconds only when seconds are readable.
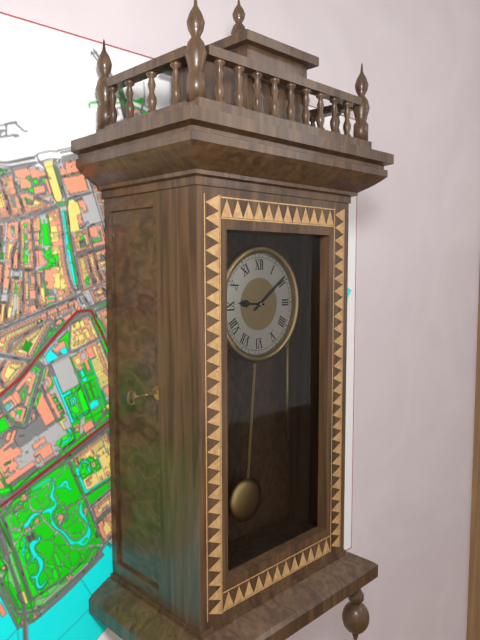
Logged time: 9:09
